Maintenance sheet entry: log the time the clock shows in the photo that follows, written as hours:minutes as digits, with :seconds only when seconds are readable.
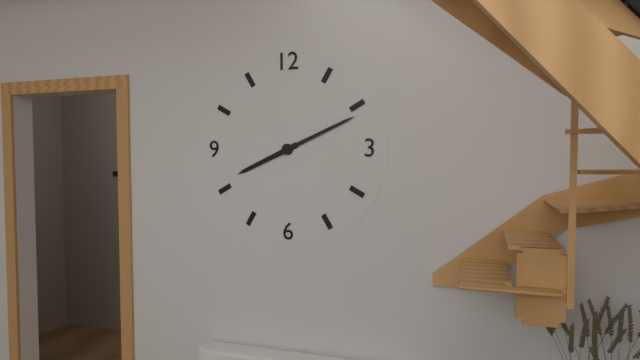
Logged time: 8:11
